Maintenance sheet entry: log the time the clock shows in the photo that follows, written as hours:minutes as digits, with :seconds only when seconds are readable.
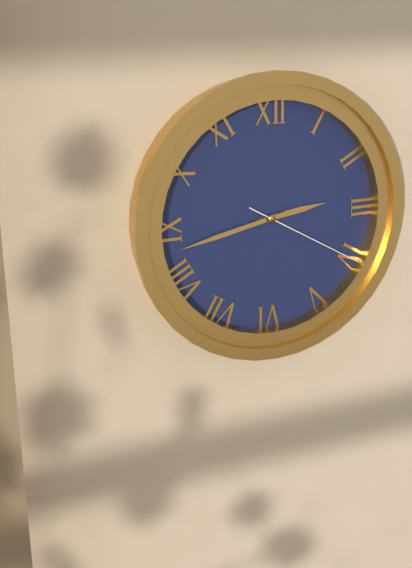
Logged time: 2:43:20
